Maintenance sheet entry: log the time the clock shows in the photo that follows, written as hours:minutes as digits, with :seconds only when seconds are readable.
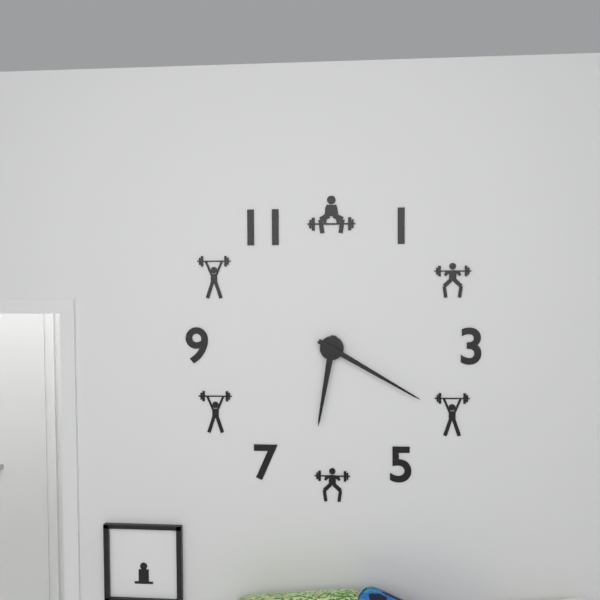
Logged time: 6:20
